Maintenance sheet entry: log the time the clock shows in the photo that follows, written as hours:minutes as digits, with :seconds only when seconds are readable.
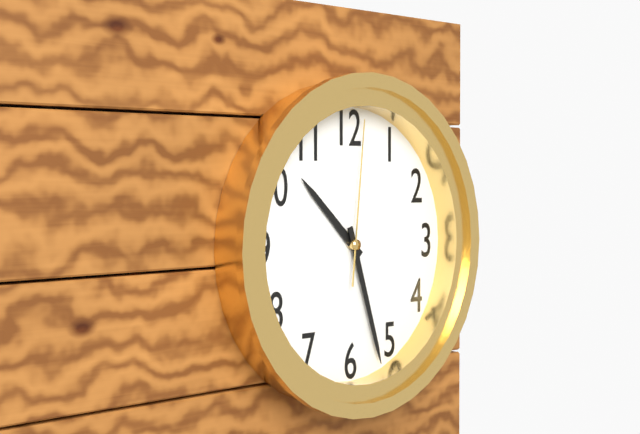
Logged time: 10:27:01
